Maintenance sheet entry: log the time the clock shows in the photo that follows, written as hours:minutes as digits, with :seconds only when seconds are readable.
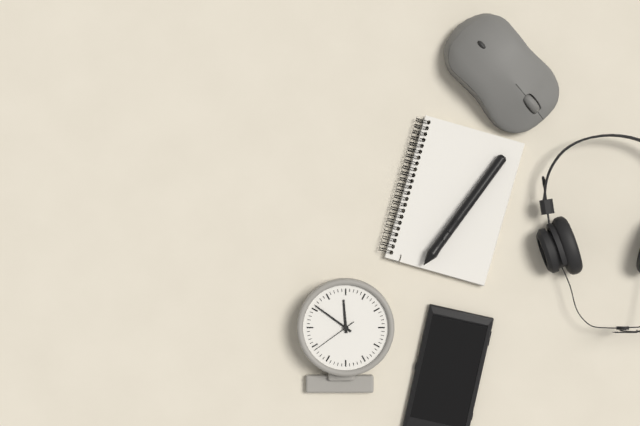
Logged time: 11:51
